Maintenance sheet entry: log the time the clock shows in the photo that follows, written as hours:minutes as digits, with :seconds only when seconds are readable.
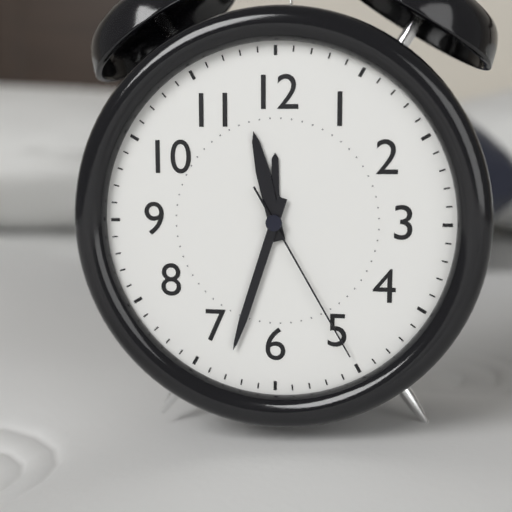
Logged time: 11:33:25
